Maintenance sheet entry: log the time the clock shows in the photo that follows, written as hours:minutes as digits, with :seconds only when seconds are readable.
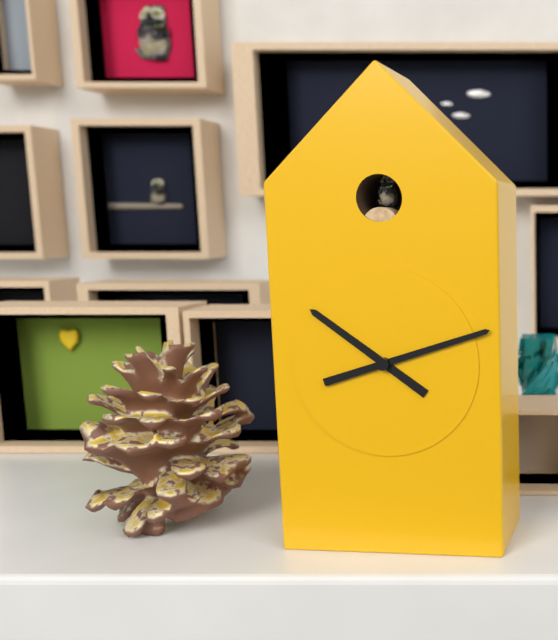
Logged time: 10:12
